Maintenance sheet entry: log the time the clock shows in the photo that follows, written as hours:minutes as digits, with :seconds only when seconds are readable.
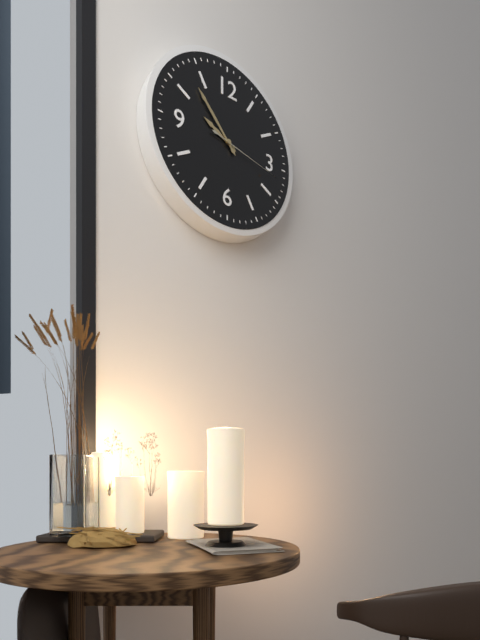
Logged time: 9:53:17
